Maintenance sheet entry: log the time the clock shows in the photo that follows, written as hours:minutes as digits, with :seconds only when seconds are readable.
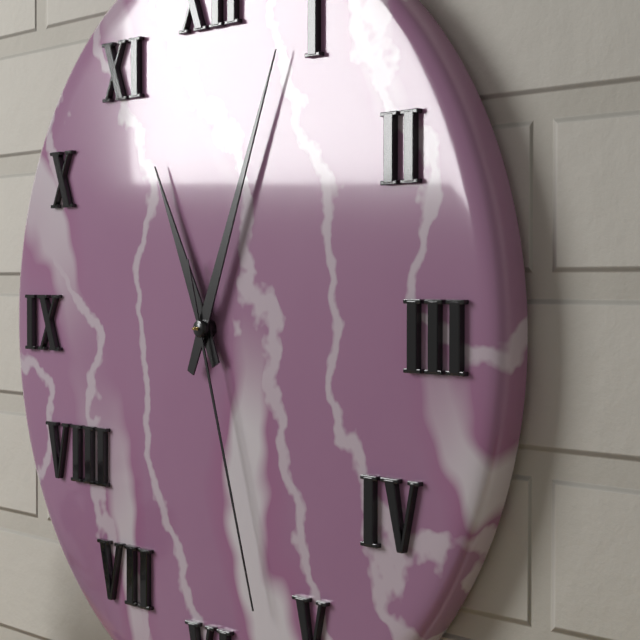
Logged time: 11:04:27
